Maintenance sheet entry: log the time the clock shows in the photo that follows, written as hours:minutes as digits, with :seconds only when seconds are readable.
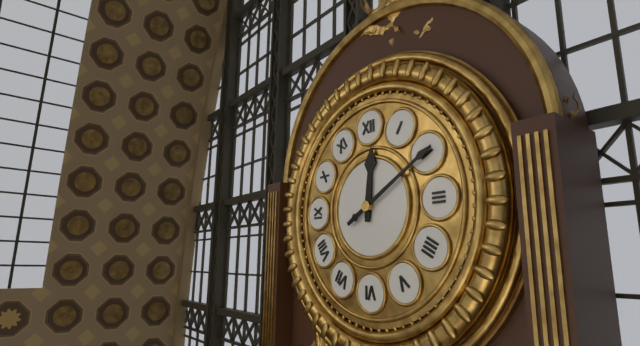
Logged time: 12:10
